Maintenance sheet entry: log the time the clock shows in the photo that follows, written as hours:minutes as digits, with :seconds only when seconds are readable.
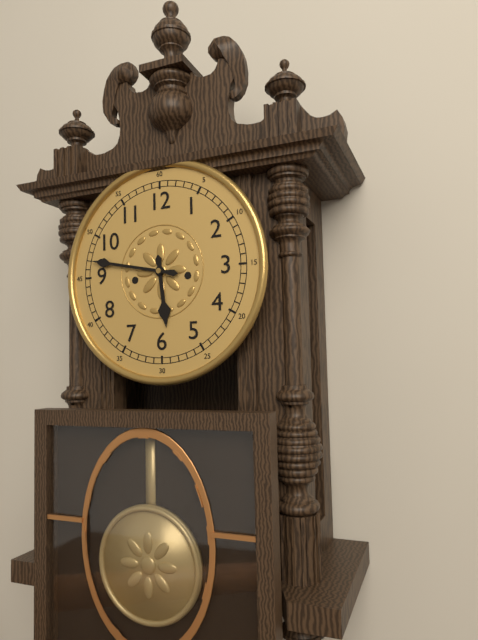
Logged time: 5:47
